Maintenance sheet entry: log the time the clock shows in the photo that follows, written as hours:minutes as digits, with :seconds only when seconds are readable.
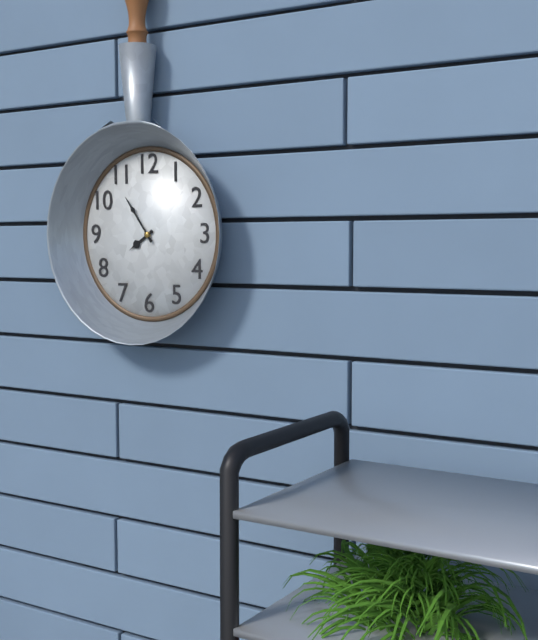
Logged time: 7:54
